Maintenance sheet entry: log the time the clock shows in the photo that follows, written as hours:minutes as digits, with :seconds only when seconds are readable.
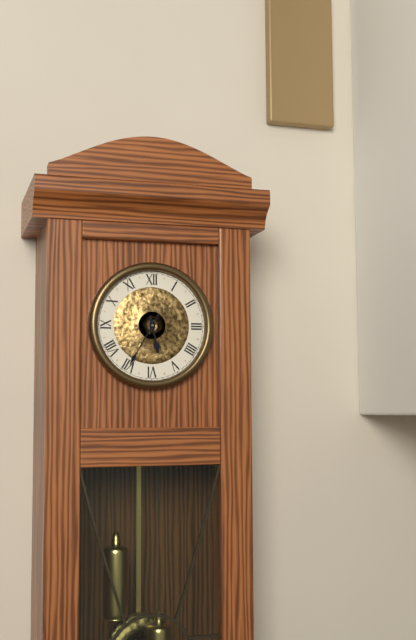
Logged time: 5:35
